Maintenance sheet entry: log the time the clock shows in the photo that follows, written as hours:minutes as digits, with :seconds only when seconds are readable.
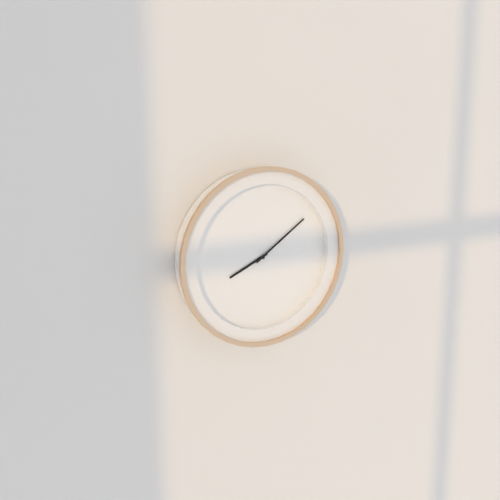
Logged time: 8:09
